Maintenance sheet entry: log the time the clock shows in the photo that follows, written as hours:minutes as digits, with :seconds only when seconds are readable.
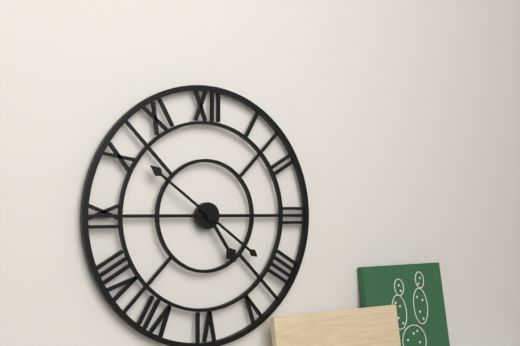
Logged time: 4:51
